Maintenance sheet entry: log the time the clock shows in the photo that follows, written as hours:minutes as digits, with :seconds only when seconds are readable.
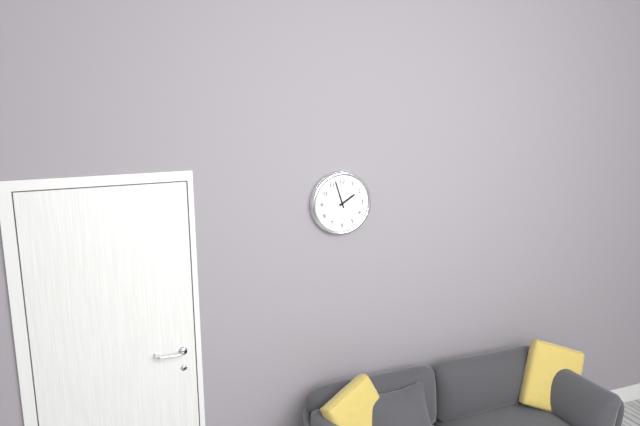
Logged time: 1:57
